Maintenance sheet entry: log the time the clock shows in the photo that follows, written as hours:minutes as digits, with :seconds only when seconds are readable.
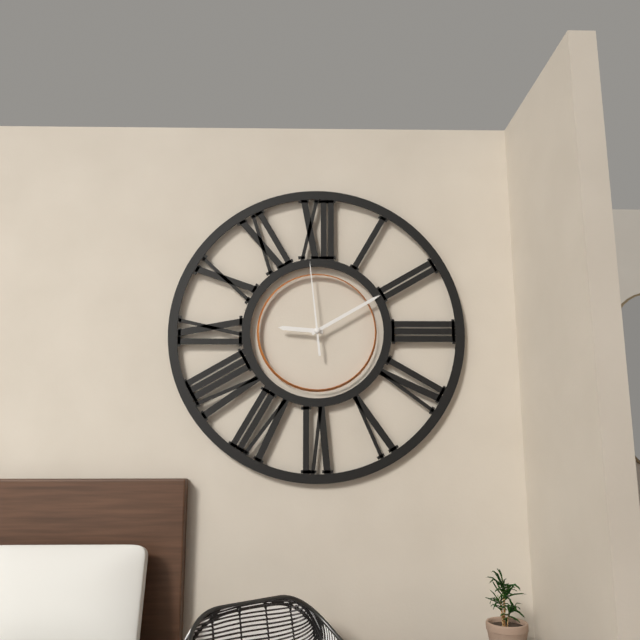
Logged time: 9:10:59
